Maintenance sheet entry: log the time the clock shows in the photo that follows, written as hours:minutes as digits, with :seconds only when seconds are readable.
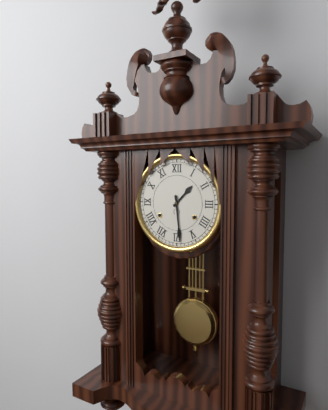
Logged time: 1:29
